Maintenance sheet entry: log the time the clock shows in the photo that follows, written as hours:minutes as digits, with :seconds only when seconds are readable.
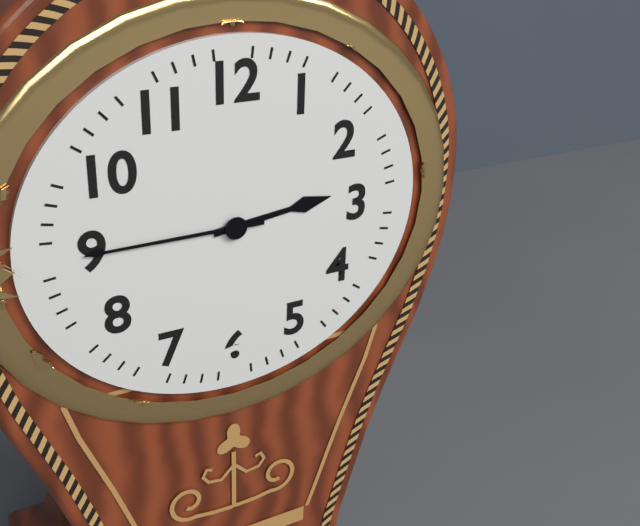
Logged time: 2:45
